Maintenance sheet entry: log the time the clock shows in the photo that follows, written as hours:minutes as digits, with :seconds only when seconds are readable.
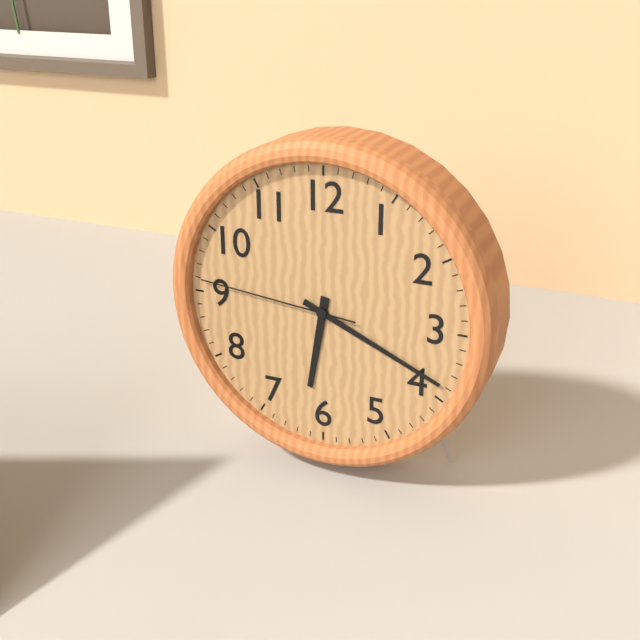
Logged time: 6:19:46
